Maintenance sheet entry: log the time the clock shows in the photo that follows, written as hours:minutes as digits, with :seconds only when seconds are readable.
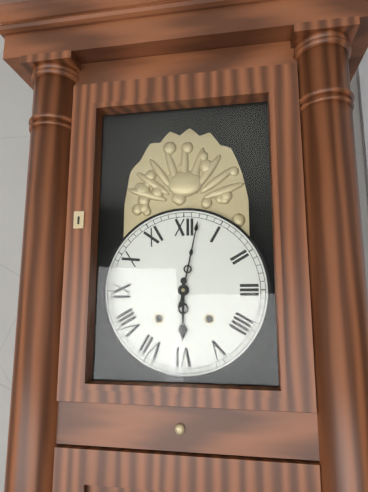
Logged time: 6:02
